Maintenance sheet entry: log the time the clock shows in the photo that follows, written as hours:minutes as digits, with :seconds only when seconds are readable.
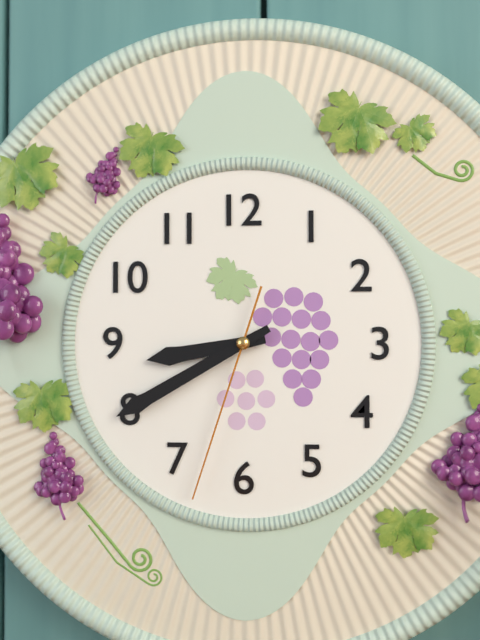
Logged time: 8:40:33
